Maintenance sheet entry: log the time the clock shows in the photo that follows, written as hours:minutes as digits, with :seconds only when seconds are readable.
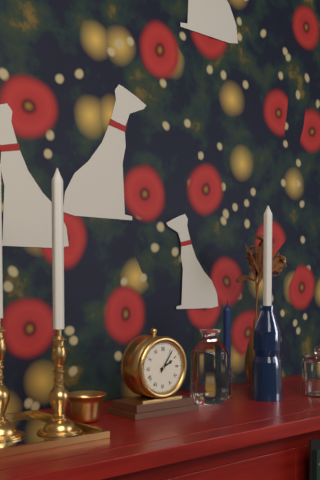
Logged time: 2:06
